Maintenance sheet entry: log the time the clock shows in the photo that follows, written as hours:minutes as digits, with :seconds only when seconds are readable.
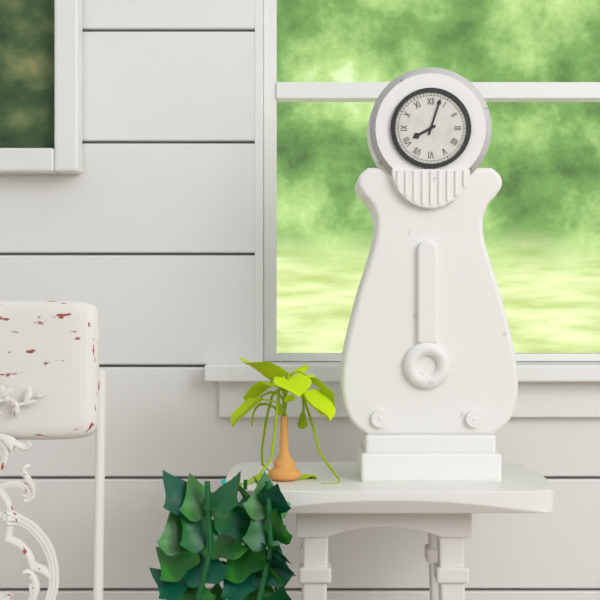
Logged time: 8:03
